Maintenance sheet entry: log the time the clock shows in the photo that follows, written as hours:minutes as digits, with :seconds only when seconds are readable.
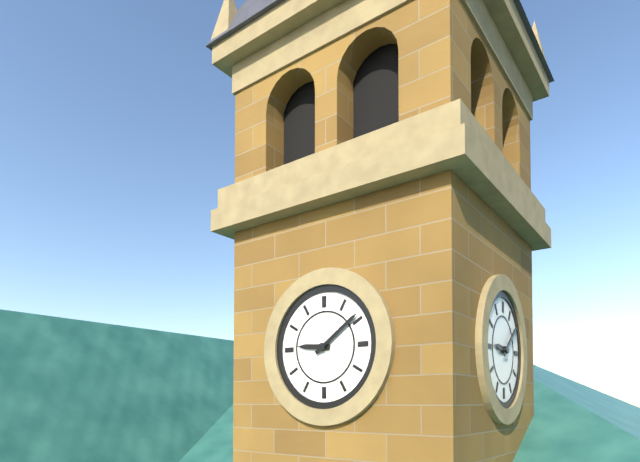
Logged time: 9:09
